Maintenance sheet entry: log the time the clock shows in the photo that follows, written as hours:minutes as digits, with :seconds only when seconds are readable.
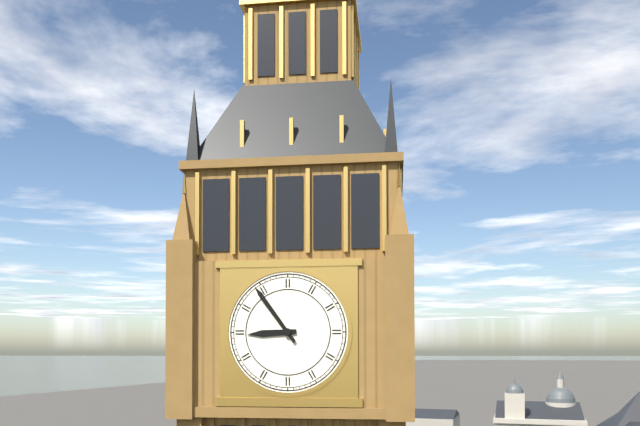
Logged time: 8:54
